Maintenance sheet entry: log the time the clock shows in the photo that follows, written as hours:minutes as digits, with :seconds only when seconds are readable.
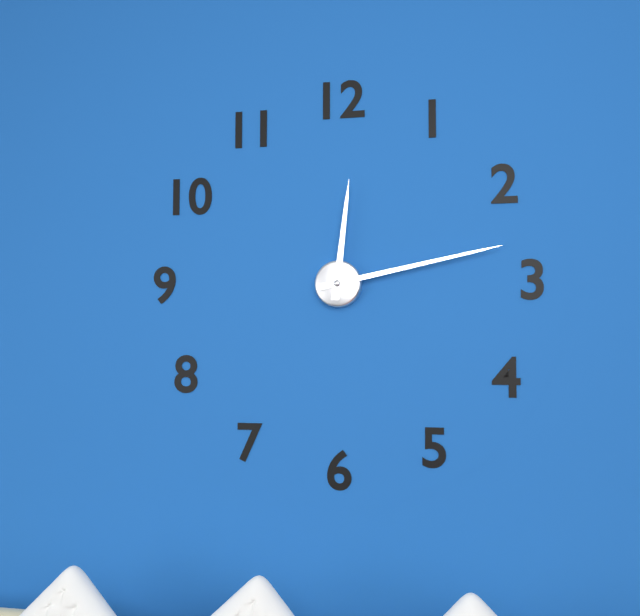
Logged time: 12:13
